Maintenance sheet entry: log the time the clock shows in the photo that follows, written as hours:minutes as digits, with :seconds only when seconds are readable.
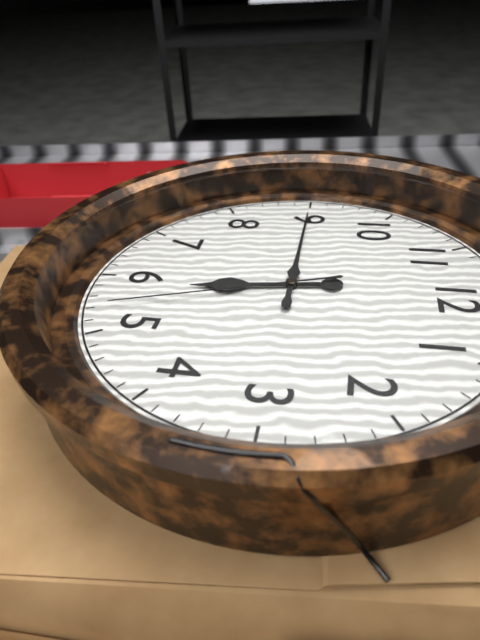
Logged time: 5:45:27
